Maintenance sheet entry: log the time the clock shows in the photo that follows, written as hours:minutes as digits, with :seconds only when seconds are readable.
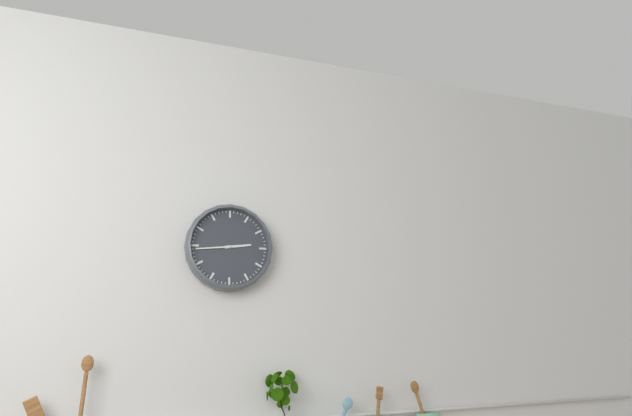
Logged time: 2:44
